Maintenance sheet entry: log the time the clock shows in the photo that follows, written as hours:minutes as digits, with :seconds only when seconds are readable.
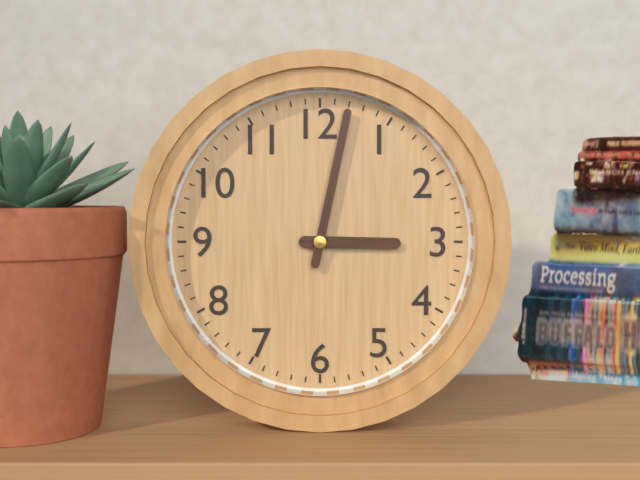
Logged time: 3:02
